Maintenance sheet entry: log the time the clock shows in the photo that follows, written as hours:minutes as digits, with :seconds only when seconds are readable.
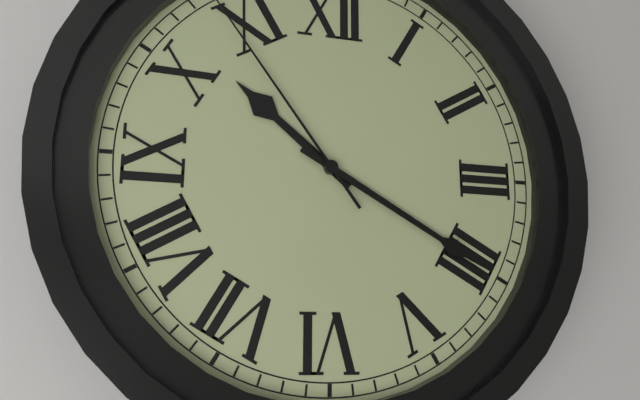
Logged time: 10:20
